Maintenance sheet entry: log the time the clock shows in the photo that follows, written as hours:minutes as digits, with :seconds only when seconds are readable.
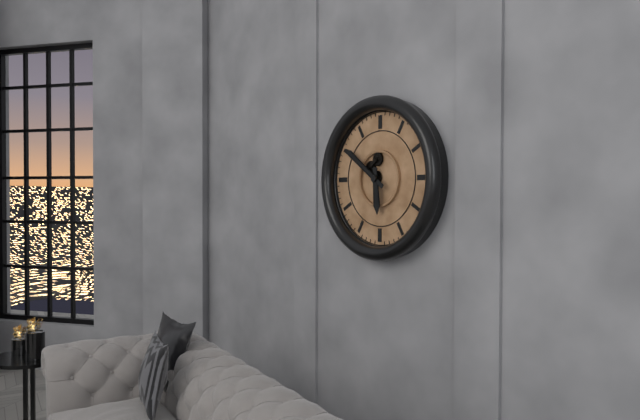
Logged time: 5:51
